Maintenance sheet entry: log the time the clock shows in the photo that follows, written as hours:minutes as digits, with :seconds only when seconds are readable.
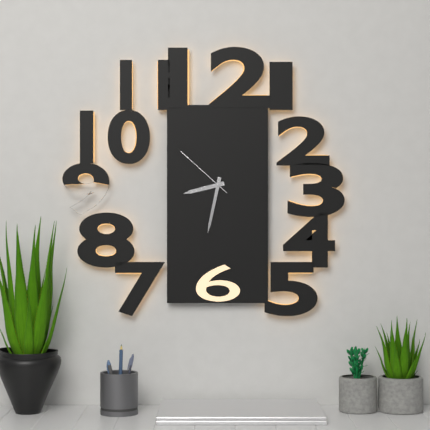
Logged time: 8:32:52
